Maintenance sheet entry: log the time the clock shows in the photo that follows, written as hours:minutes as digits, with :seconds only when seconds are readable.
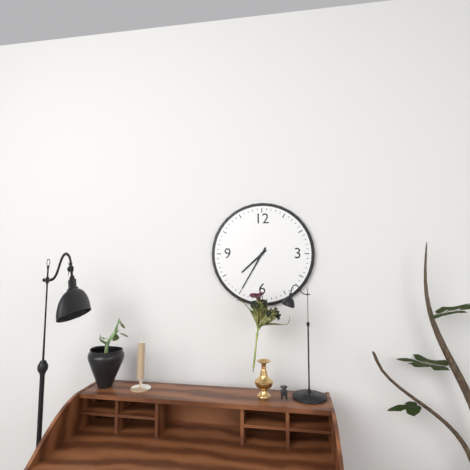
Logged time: 7:35
